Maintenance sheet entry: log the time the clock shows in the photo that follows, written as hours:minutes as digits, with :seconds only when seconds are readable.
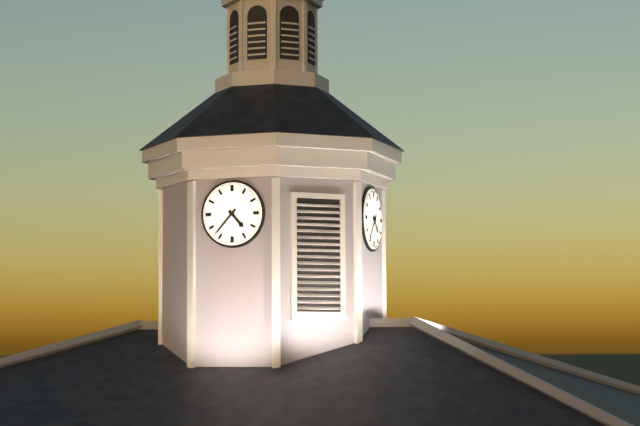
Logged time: 4:37
